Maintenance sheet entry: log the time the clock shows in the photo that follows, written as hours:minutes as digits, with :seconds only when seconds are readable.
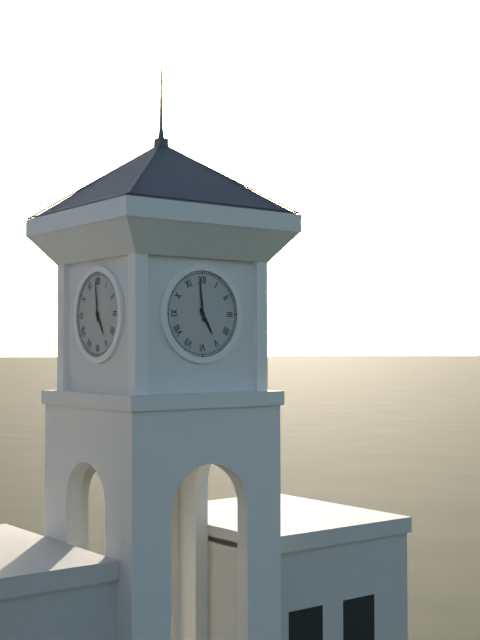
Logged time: 4:59
